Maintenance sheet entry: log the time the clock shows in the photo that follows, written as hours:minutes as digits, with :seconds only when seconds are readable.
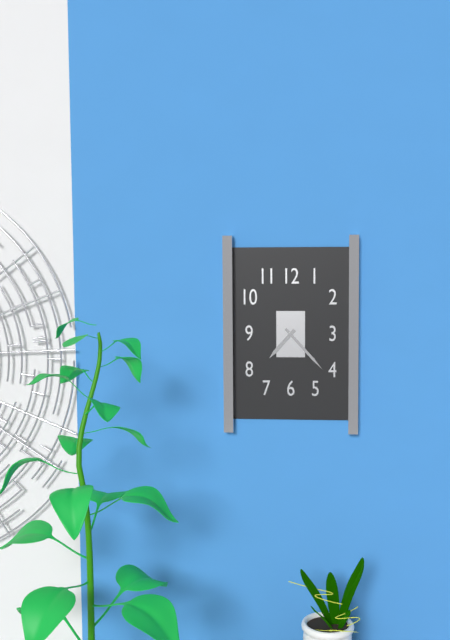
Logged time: 7:23
